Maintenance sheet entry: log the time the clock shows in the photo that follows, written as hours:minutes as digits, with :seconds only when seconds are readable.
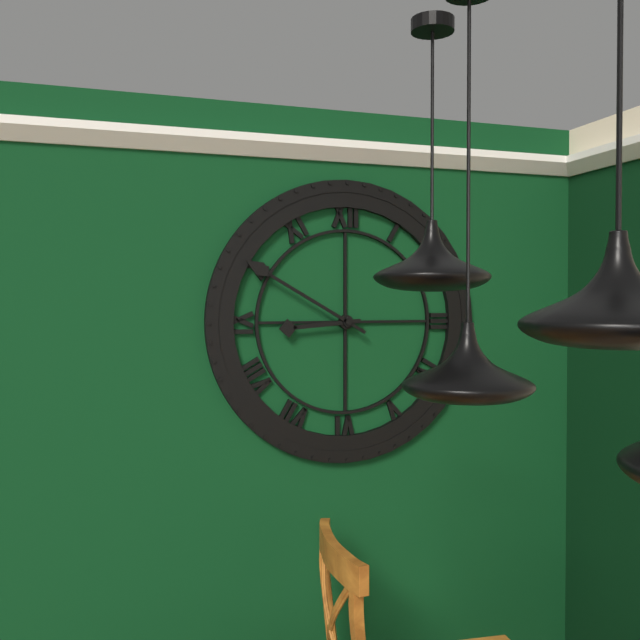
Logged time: 8:50
